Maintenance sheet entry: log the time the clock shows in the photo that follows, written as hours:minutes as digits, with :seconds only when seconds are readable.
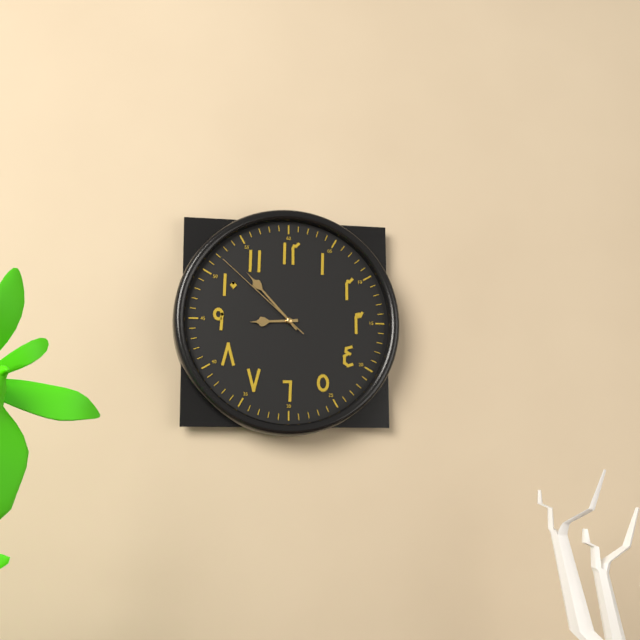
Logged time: 8:53:52
